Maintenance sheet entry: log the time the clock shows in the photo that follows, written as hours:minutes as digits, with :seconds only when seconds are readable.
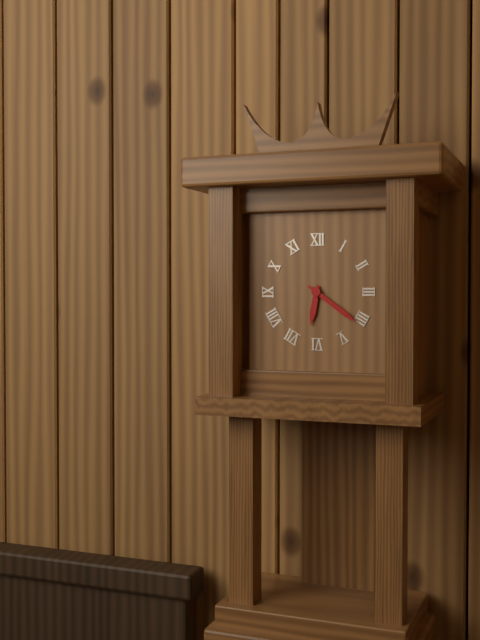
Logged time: 6:21
